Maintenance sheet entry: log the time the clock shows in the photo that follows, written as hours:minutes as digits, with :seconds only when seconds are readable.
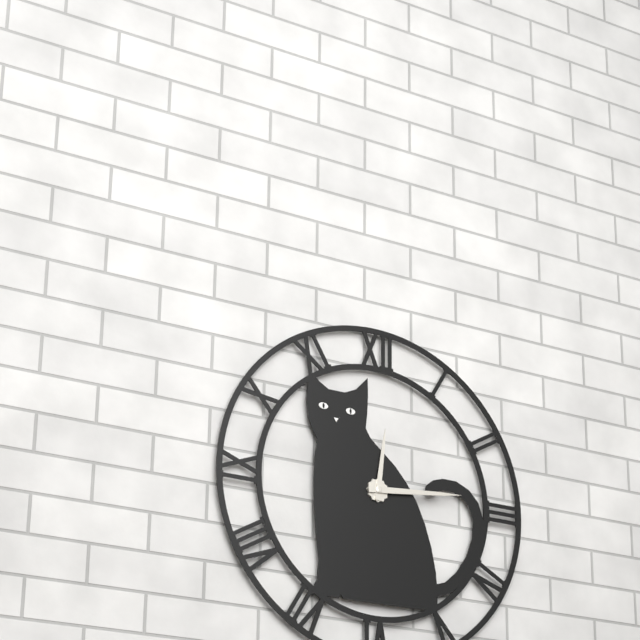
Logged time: 12:14
